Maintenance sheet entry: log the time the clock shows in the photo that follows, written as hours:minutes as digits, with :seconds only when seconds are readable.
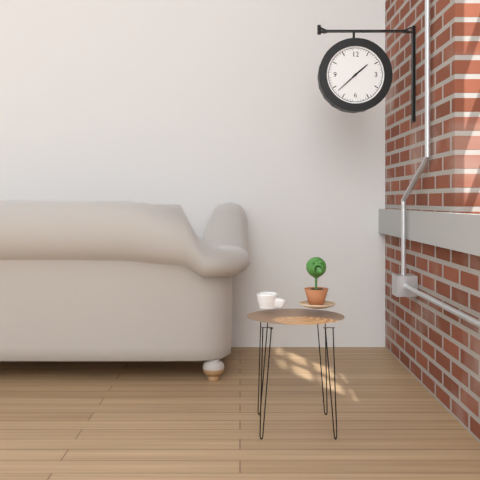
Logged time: 1:38
